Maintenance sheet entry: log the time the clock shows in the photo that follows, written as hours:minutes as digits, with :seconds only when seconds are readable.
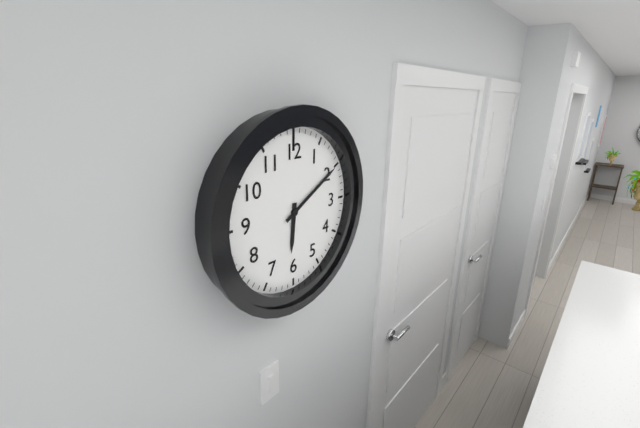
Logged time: 6:10
